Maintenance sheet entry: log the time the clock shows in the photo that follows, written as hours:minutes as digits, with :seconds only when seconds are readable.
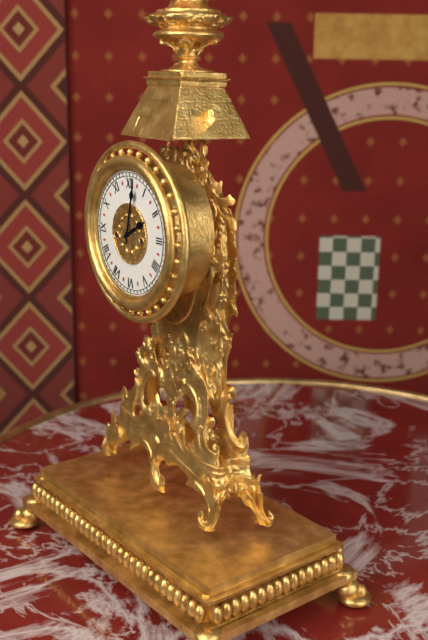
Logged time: 2:02
